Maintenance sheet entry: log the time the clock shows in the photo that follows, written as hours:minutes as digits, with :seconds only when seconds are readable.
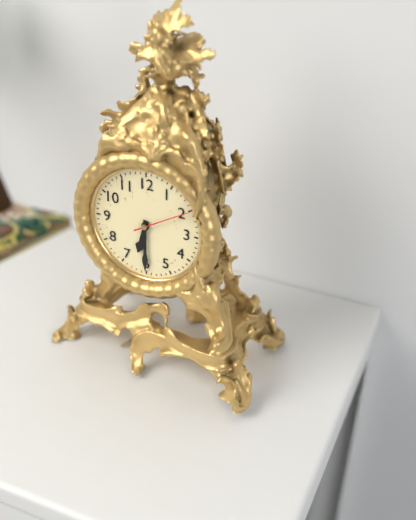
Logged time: 6:30:10
